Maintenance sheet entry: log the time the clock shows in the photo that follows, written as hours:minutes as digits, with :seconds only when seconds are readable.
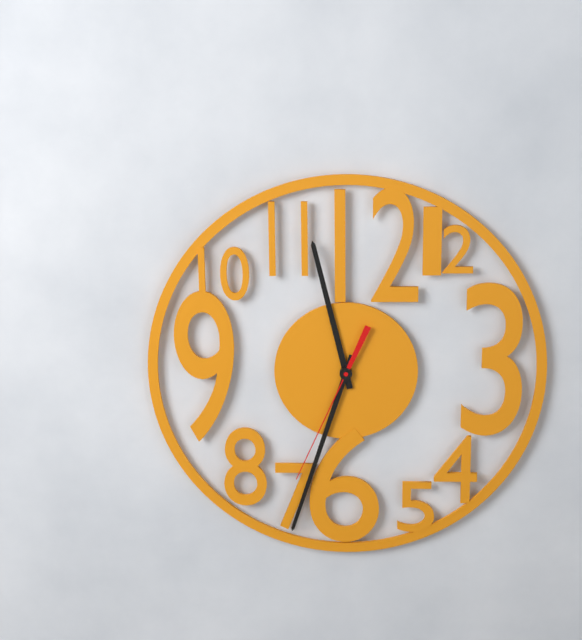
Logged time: 11:33:34
